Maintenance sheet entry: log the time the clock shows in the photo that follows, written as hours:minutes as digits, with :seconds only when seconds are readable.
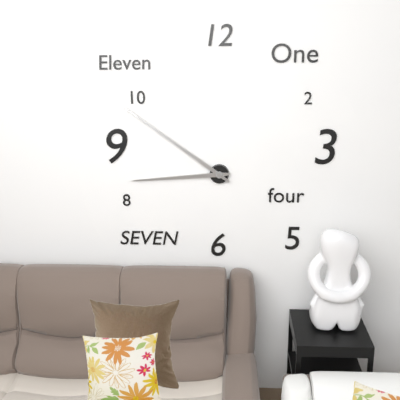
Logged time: 8:51
